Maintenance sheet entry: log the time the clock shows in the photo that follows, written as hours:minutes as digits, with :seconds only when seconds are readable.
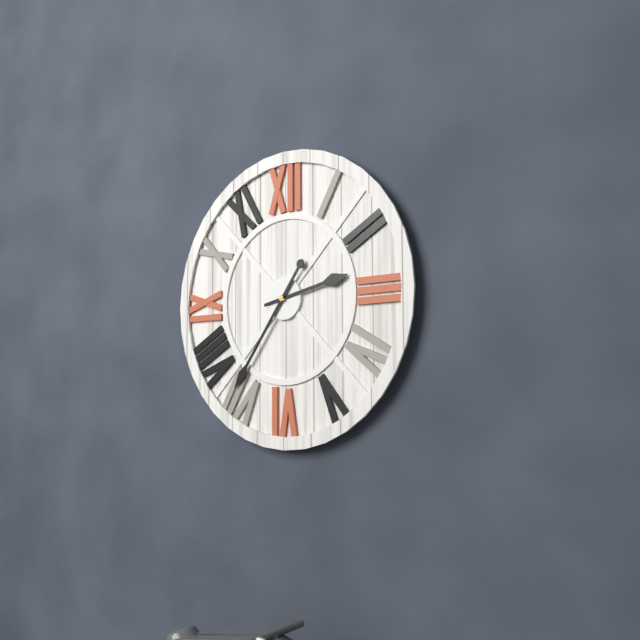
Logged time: 2:36
